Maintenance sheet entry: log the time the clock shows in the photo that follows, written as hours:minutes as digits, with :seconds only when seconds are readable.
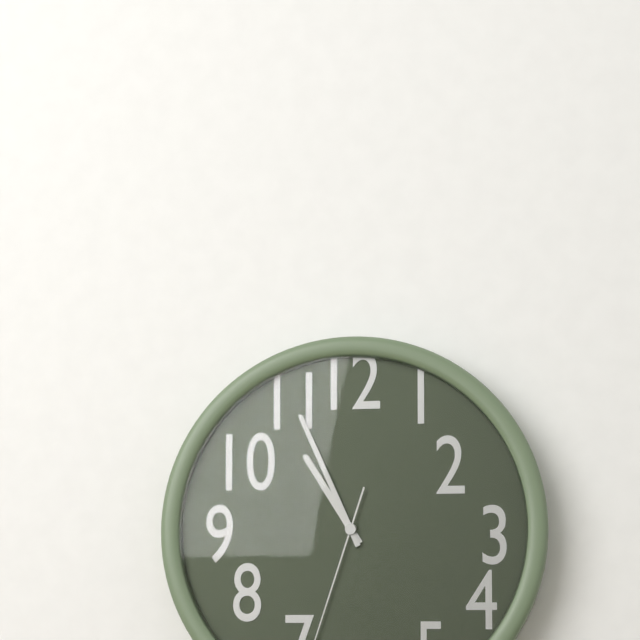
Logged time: 10:56
